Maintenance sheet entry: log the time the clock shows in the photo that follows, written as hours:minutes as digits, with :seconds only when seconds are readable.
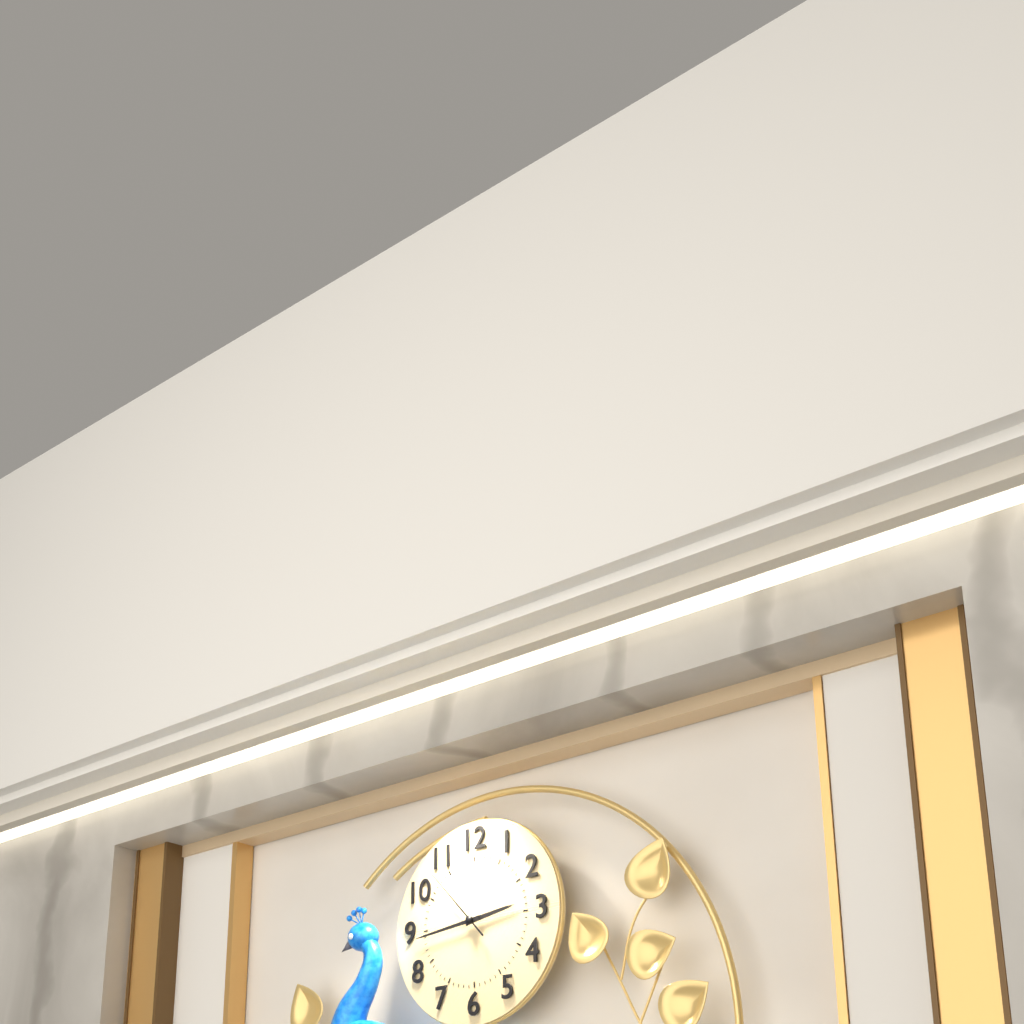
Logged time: 2:44:53
